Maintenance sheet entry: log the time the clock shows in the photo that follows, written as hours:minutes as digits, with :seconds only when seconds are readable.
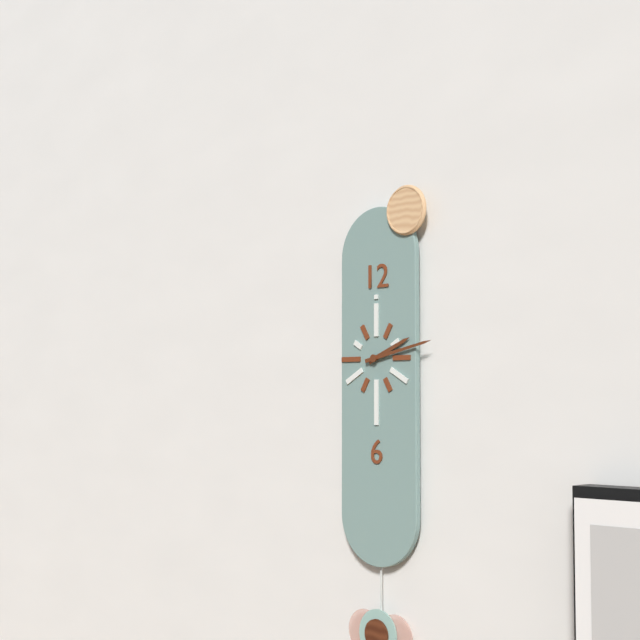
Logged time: 2:13
